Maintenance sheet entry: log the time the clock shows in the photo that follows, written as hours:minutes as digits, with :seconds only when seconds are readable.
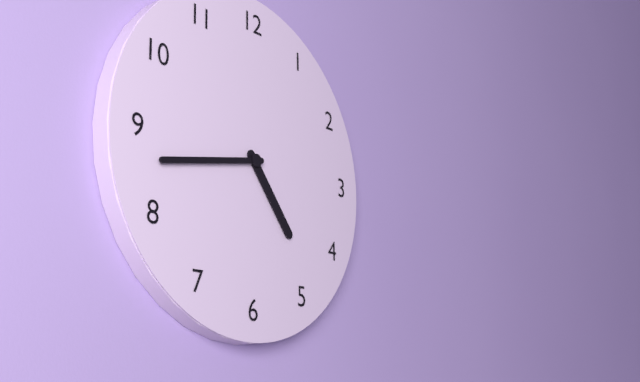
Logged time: 4:43
